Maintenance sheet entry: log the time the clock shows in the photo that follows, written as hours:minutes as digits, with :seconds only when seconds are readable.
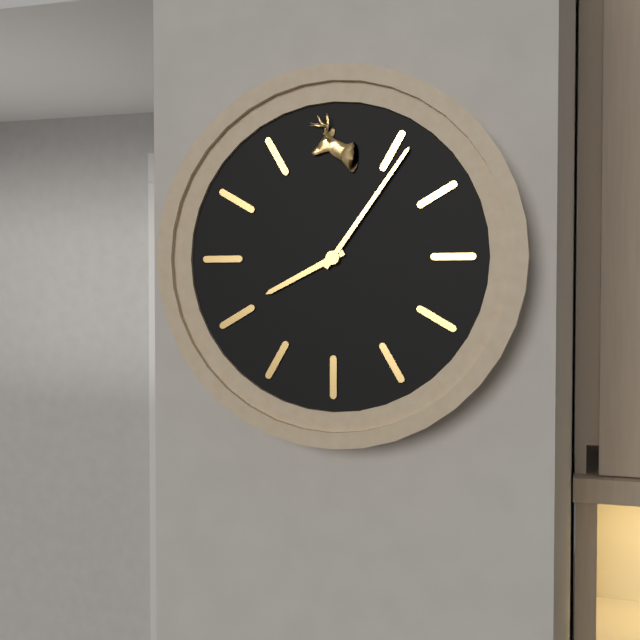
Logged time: 8:06
